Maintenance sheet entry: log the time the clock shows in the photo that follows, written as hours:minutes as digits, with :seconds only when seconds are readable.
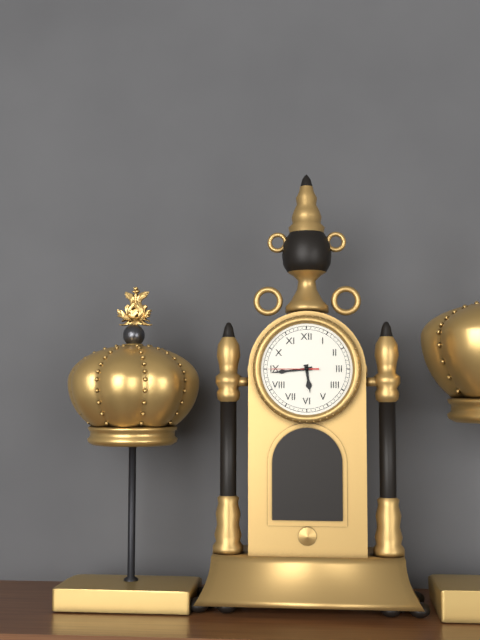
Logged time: 5:44
